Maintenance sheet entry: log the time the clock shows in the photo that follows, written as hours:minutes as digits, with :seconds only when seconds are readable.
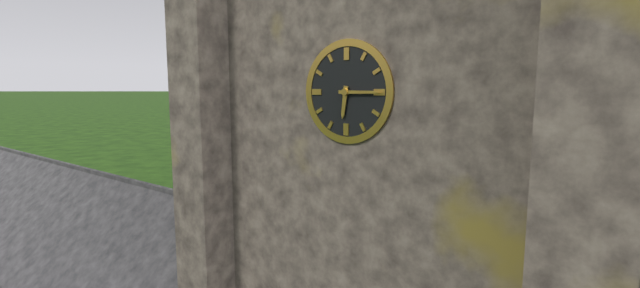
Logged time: 6:15
